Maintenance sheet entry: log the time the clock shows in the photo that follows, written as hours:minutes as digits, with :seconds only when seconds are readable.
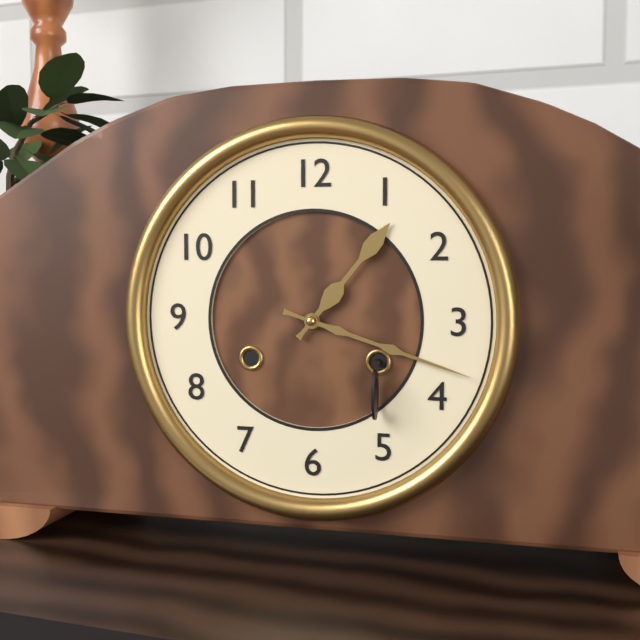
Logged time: 1:18
